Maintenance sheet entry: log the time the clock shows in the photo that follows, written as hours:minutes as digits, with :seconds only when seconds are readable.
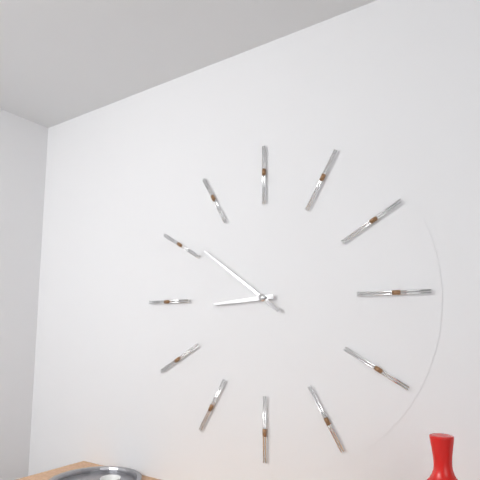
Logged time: 8:51
